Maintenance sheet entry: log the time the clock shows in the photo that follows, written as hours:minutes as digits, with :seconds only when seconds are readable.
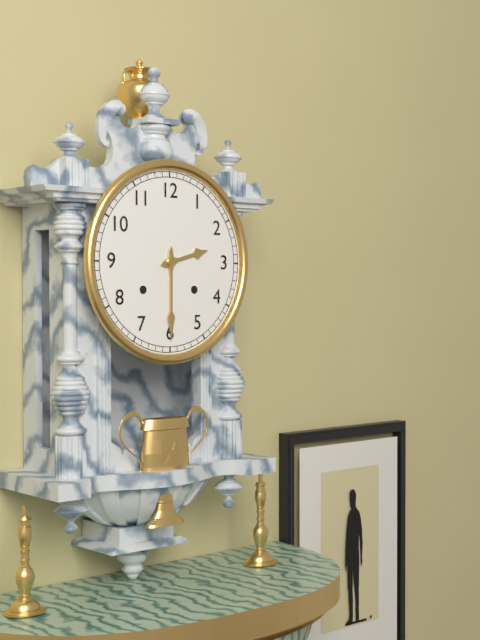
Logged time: 2:30
